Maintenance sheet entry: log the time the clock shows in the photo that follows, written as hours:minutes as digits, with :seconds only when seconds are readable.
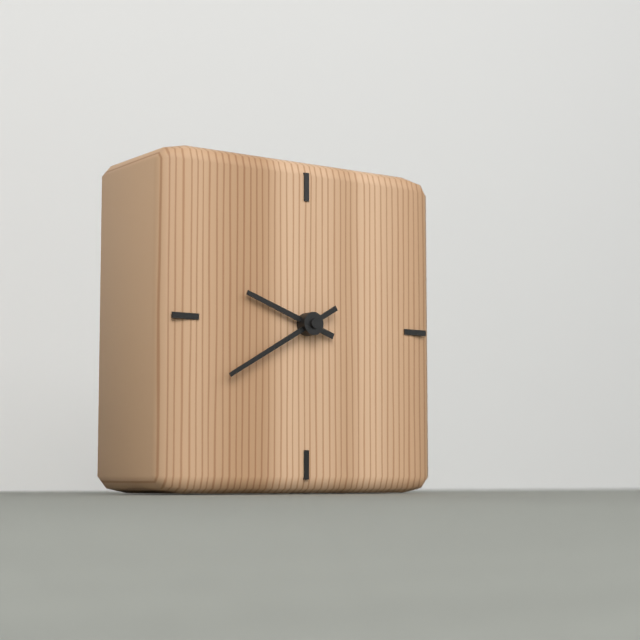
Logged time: 9:40
